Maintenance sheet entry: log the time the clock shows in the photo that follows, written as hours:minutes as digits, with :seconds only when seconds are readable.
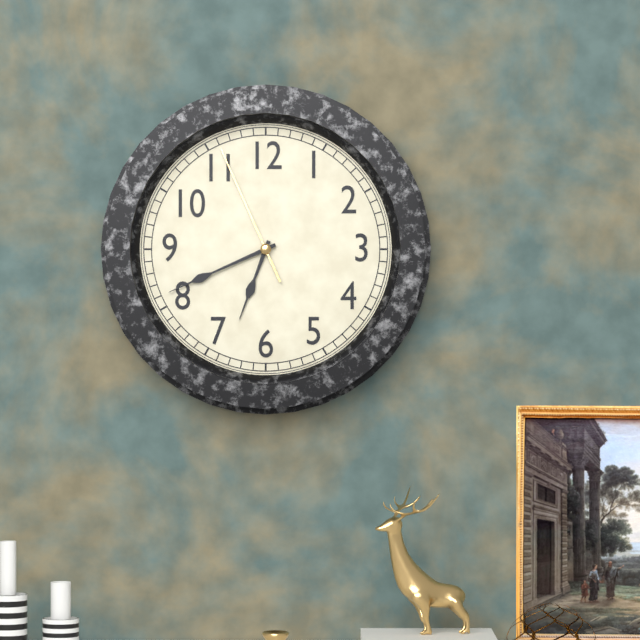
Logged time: 6:41:56
